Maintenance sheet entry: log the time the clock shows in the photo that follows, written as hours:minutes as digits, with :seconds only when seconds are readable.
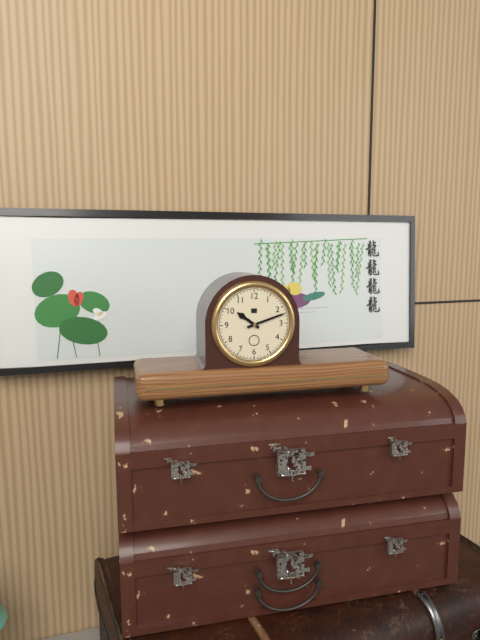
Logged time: 10:12
